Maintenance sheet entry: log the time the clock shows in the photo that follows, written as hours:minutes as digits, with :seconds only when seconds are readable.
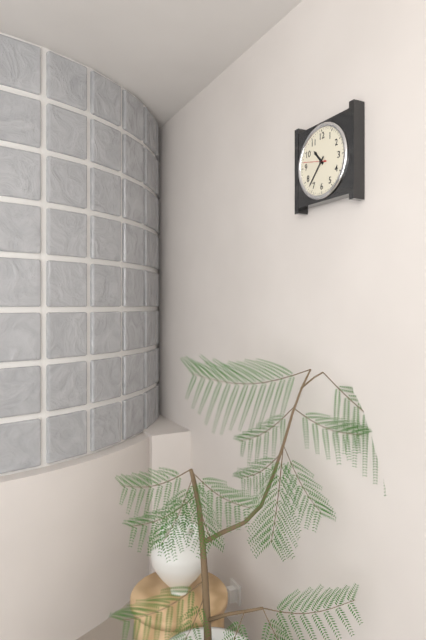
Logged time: 10:37
